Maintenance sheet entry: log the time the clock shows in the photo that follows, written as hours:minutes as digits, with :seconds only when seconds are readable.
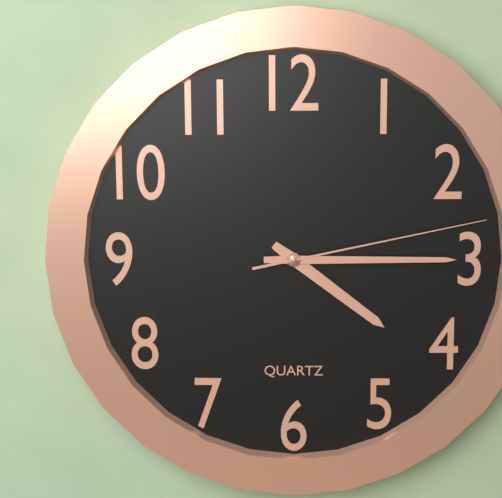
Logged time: 4:15:13
